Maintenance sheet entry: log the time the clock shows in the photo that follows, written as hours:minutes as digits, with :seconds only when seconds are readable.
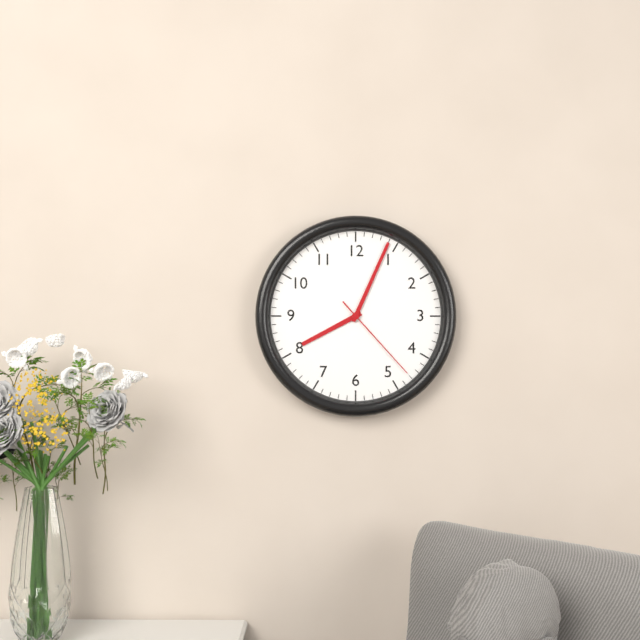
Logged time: 8:04:23
